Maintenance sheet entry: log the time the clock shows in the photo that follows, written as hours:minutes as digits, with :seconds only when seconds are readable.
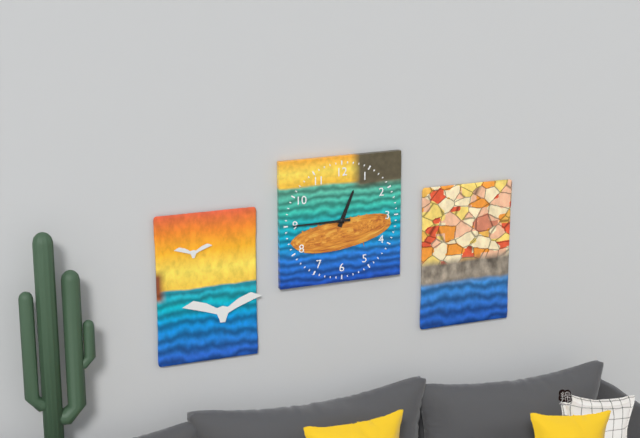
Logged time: 12:45
